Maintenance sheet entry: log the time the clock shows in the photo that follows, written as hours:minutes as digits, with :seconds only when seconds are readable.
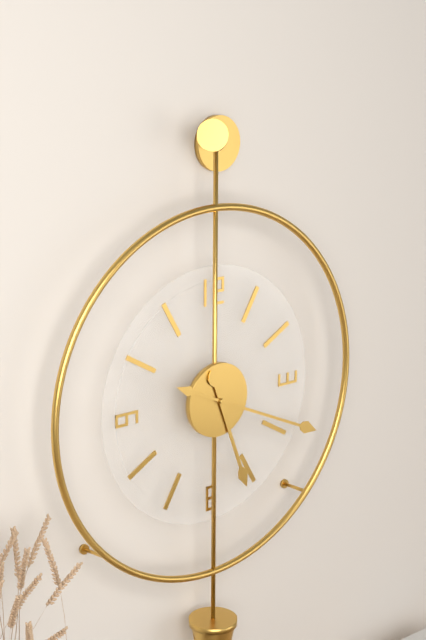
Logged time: 5:19
